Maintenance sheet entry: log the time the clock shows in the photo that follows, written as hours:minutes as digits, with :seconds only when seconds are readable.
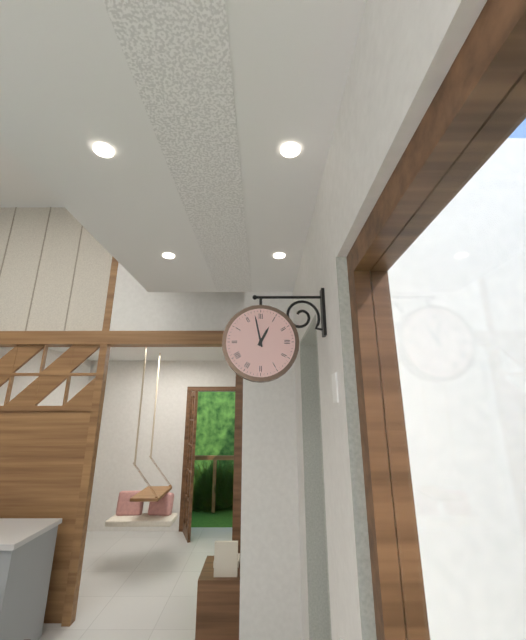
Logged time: 12:58
